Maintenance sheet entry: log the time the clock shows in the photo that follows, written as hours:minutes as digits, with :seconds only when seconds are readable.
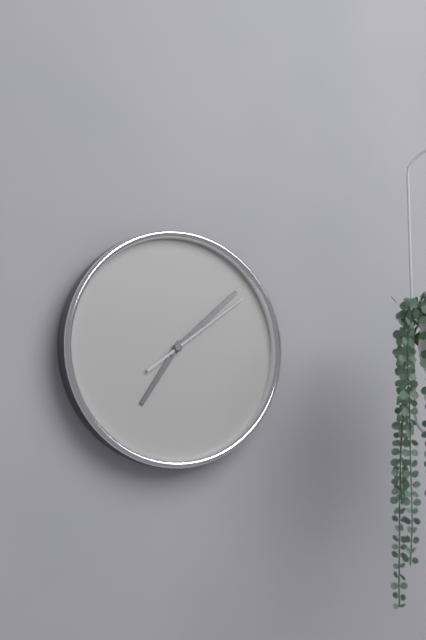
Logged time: 7:08:09
